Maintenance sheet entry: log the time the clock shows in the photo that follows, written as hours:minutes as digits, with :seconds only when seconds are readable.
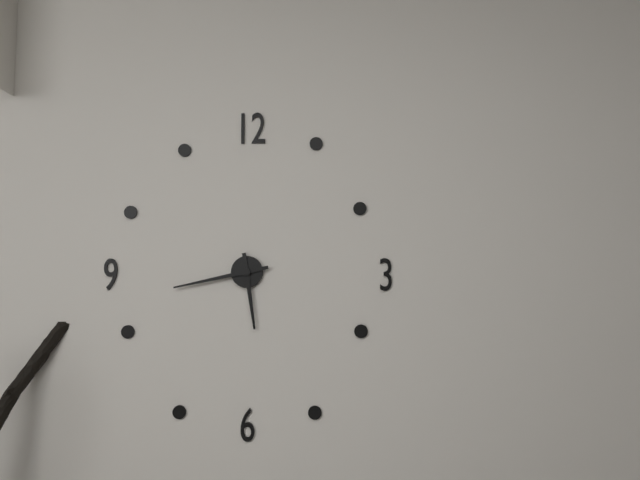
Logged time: 5:43
